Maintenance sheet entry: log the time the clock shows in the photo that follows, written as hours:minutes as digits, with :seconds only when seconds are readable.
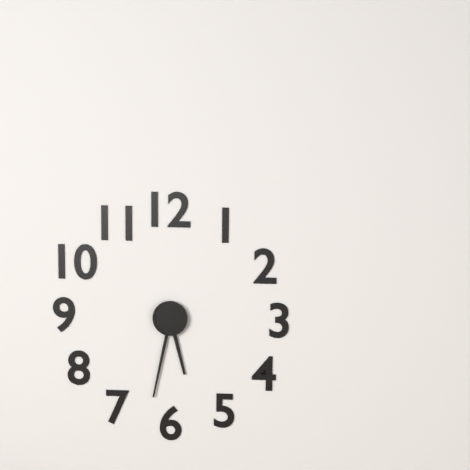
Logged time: 5:32
